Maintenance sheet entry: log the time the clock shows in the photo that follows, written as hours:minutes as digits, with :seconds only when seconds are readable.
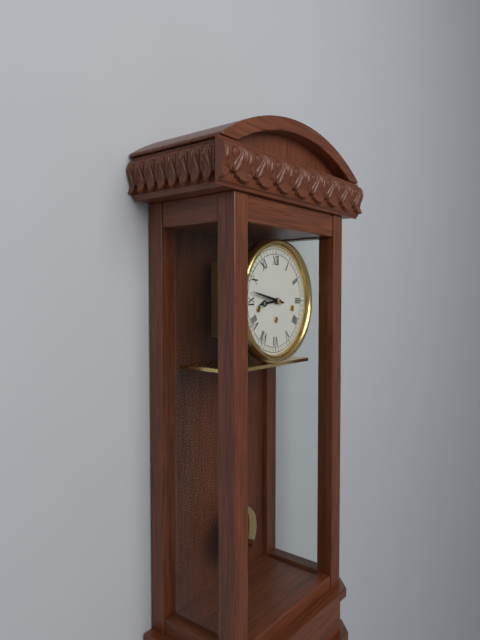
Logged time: 8:47
